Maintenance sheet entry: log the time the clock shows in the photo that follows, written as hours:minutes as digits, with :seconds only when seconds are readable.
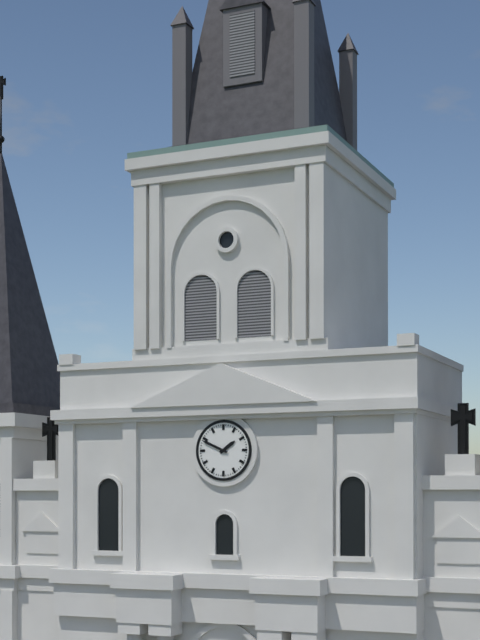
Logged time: 1:49
